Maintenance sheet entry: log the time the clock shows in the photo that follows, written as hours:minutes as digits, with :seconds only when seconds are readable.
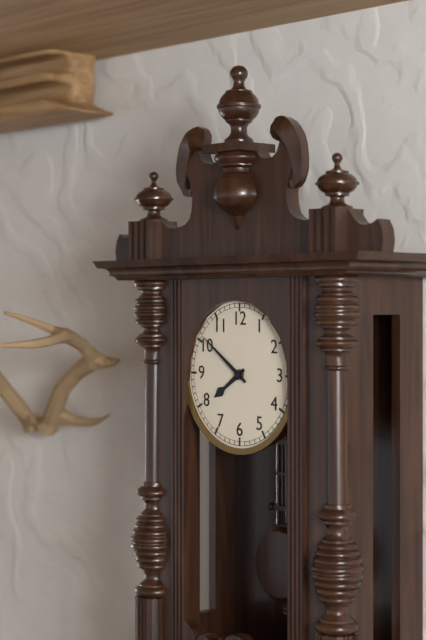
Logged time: 7:51
